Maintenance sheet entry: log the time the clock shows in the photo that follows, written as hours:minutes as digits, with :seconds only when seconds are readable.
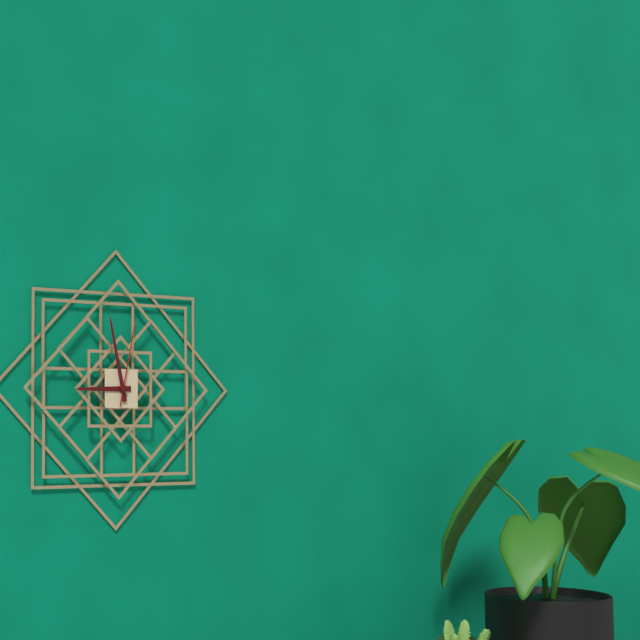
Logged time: 8:58:02
